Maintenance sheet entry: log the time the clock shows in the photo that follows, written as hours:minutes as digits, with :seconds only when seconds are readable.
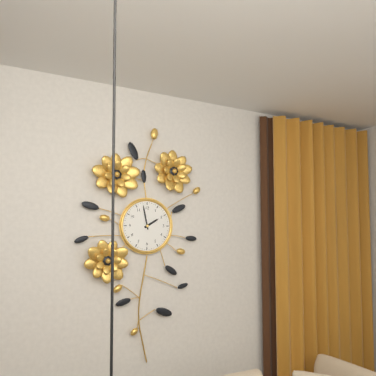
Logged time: 1:58
